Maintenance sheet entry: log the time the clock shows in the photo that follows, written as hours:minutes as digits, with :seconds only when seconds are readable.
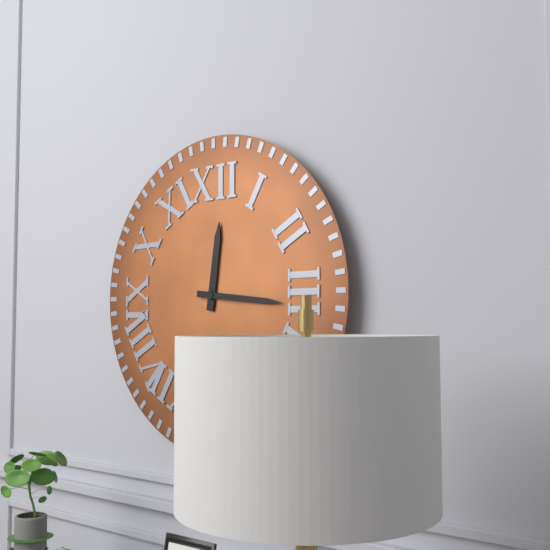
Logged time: 12:16
